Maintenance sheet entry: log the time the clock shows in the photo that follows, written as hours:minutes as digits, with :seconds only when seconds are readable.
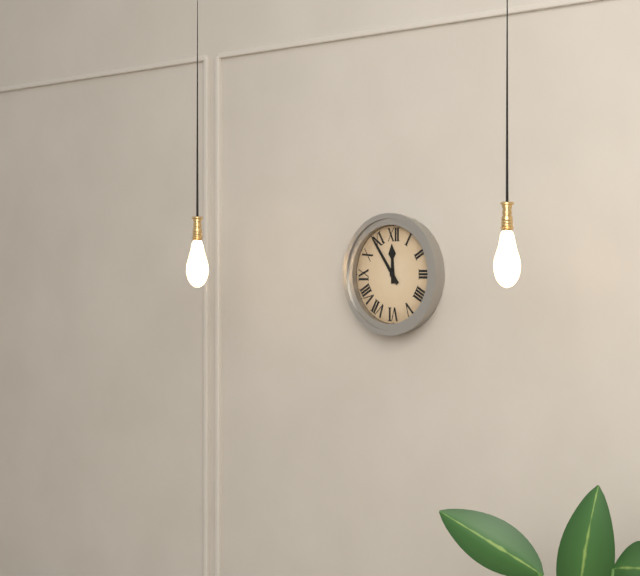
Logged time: 11:54
